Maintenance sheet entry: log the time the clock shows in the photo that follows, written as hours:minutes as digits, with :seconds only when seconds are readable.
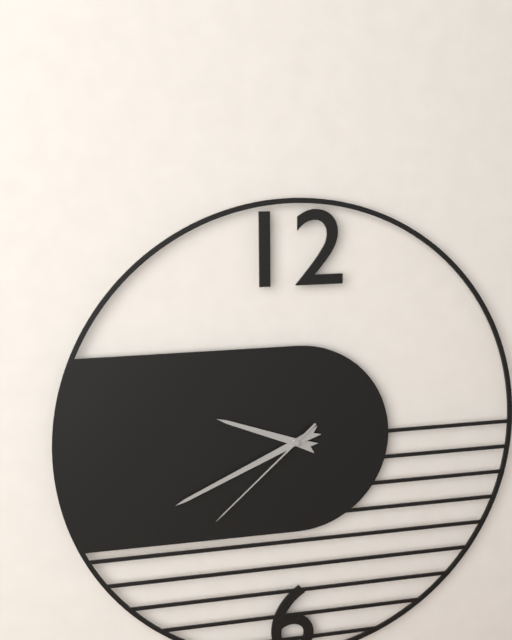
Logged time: 9:41:38
